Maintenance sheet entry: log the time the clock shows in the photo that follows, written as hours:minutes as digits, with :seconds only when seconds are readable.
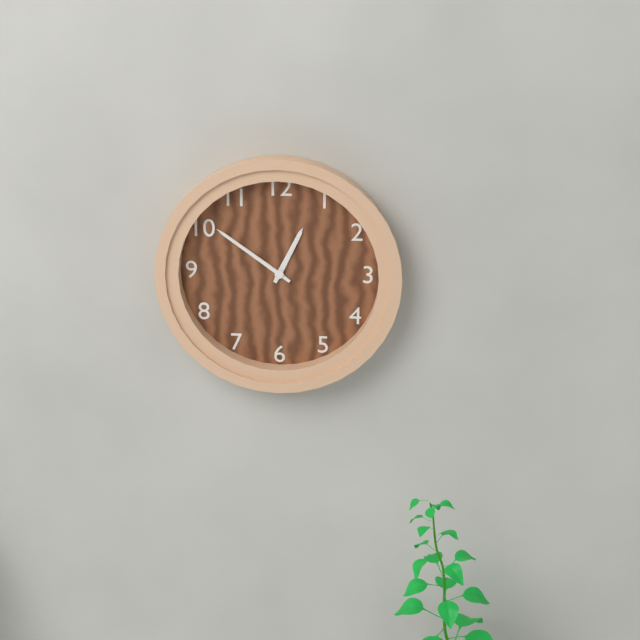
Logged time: 12:51
